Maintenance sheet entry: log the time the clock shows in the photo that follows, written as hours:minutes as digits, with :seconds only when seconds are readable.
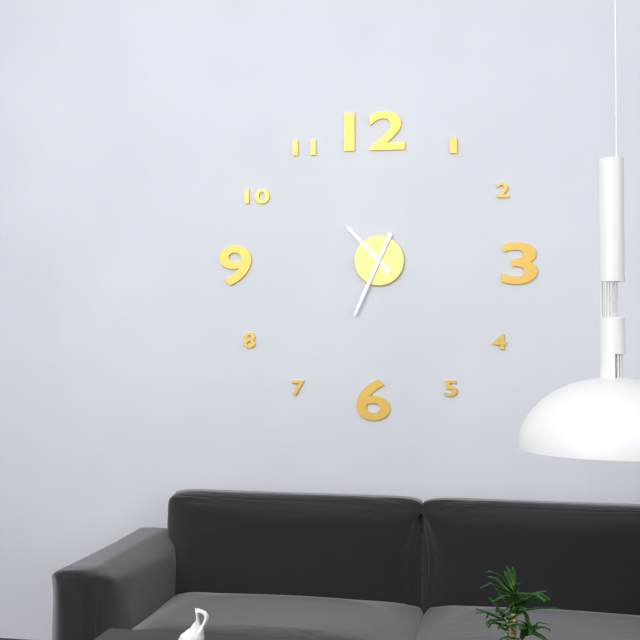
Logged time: 10:34
